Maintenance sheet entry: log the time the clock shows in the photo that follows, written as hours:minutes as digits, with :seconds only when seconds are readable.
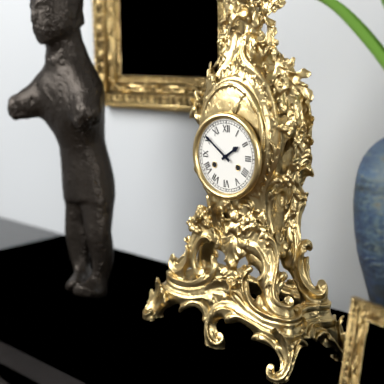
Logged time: 1:51
